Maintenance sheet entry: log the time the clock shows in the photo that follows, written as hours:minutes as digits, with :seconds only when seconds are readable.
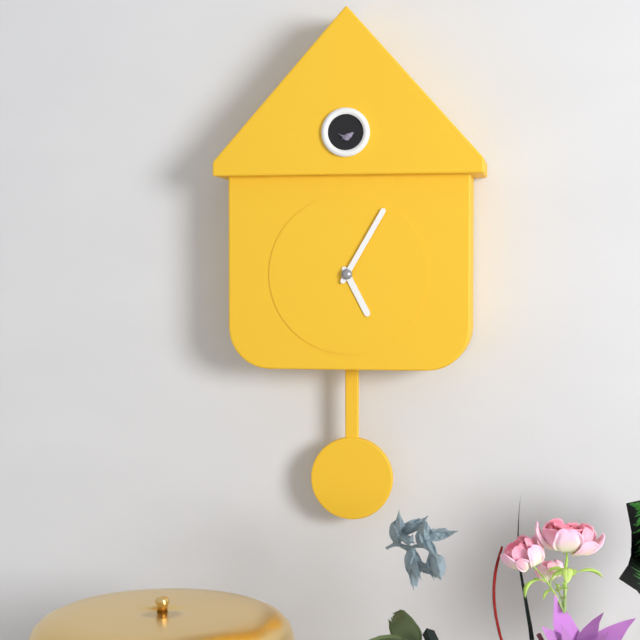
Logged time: 5:05
